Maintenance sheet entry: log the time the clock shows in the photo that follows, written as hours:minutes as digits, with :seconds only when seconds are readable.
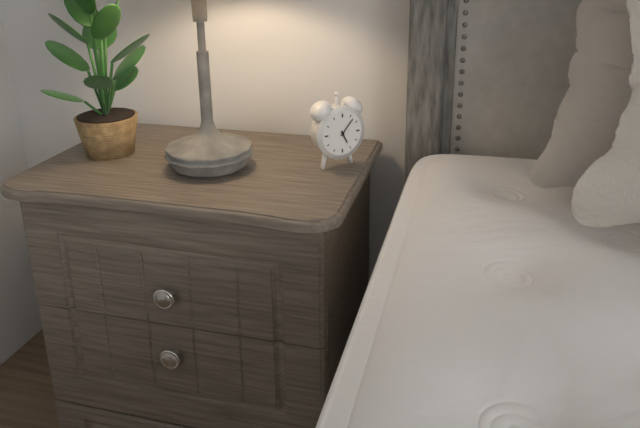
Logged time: 5:07
